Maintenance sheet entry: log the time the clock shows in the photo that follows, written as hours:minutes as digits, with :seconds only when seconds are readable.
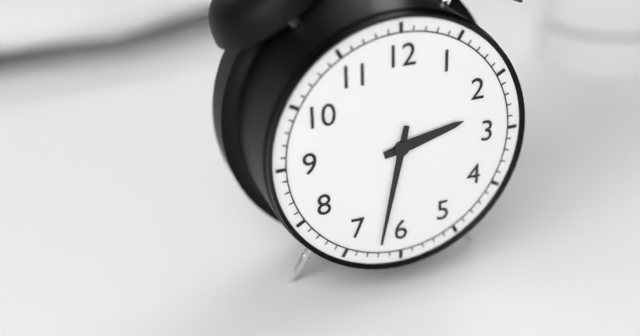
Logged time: 2:32
